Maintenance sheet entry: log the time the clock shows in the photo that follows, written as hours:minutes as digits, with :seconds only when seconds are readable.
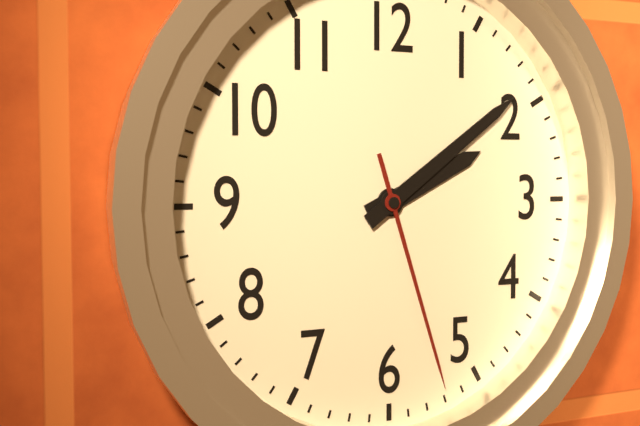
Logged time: 2:09:27
